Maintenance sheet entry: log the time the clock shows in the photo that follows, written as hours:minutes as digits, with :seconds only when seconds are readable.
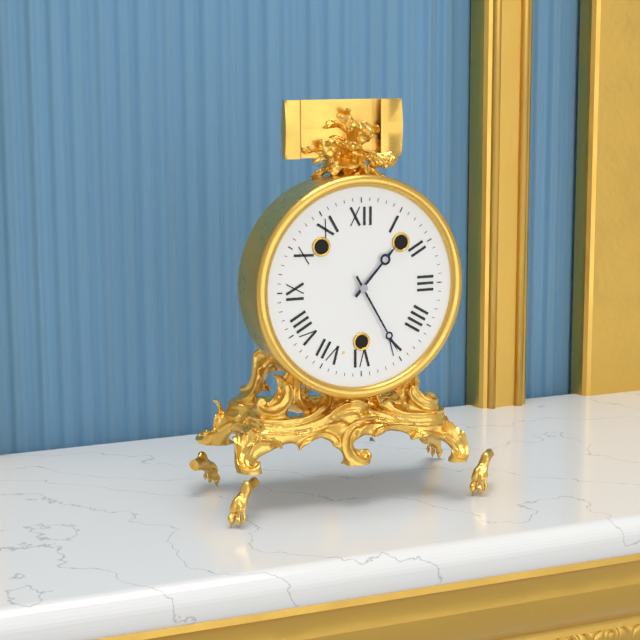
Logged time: 1:25
